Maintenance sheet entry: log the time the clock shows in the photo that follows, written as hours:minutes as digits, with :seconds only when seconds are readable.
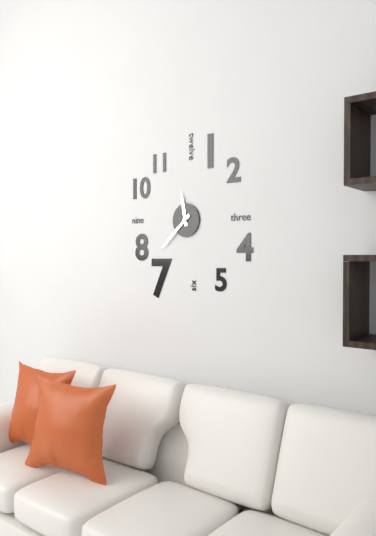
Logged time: 11:38
